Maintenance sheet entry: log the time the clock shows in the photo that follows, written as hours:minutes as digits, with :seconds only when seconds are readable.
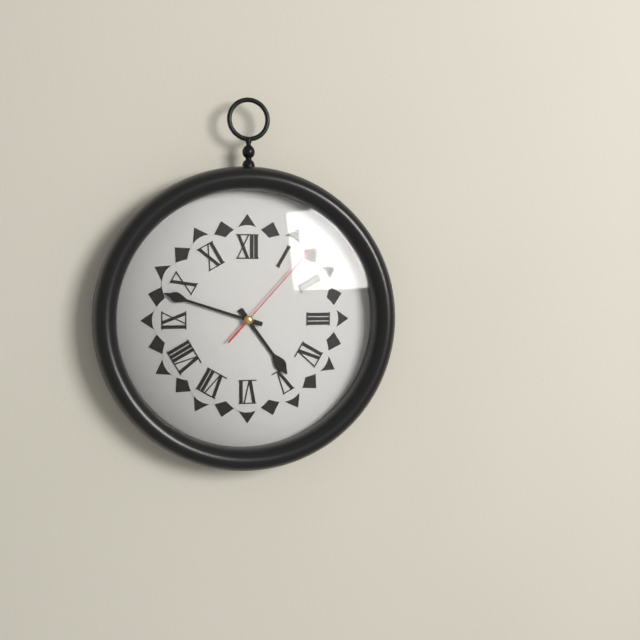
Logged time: 4:48:07
